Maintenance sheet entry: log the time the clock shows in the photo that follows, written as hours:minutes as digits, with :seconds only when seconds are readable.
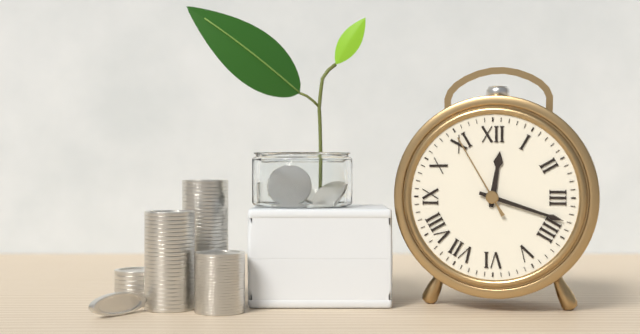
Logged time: 12:18:55
